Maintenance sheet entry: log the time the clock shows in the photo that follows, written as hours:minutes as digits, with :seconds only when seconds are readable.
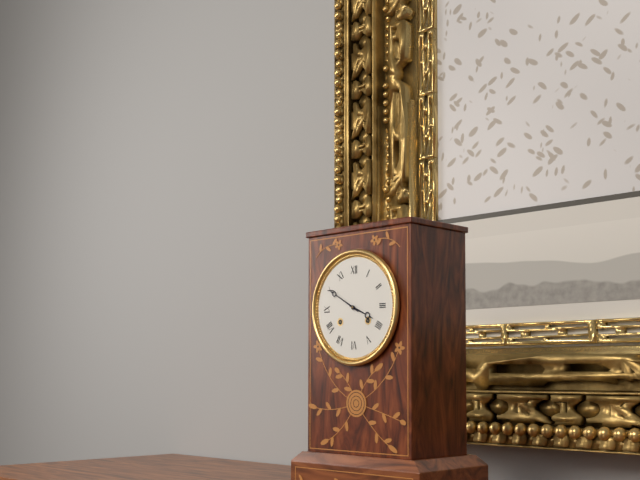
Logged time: 3:50
